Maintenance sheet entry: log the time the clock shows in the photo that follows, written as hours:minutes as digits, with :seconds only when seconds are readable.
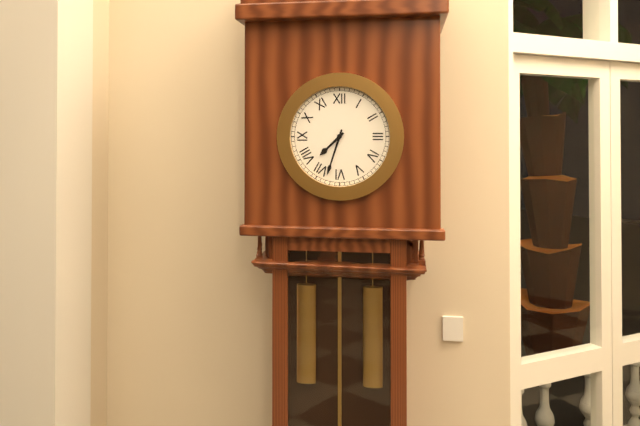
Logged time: 7:33
